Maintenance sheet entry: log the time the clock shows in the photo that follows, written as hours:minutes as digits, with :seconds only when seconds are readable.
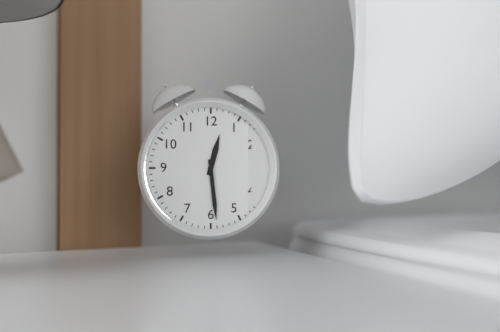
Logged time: 12:29
